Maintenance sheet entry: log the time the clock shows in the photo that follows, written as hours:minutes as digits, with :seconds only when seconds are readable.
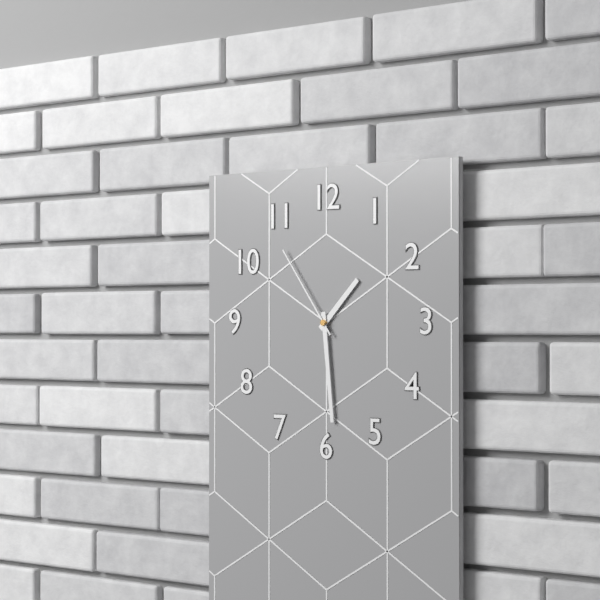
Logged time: 1:29:54
